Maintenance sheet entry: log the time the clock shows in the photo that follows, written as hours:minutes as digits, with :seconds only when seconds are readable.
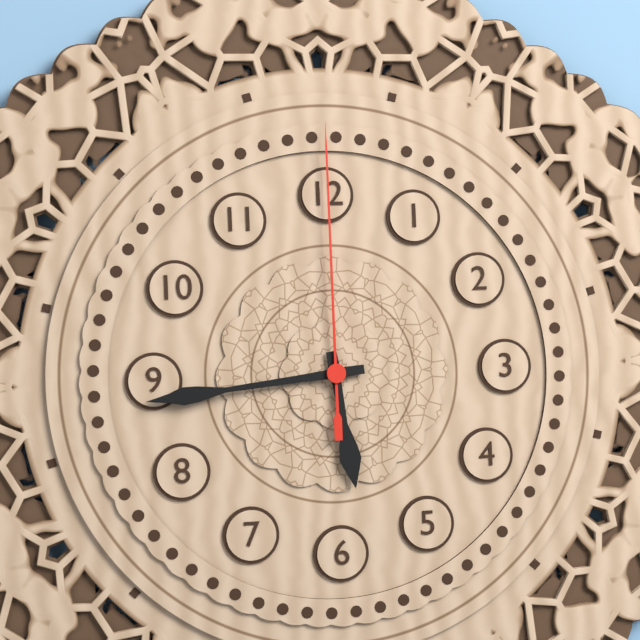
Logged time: 5:44:00
